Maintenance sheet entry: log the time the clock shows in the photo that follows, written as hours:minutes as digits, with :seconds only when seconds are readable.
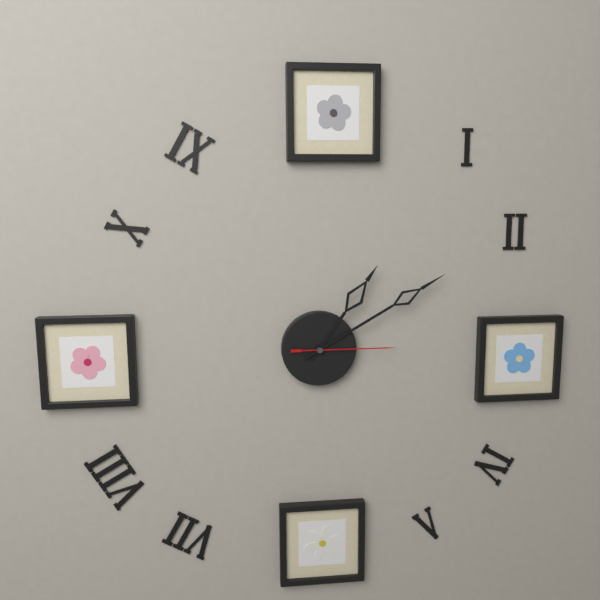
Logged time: 1:10:15
